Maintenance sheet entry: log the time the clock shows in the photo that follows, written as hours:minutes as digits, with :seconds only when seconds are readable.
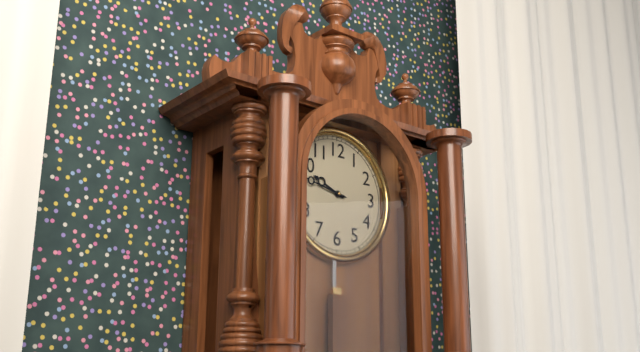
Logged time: 9:47
